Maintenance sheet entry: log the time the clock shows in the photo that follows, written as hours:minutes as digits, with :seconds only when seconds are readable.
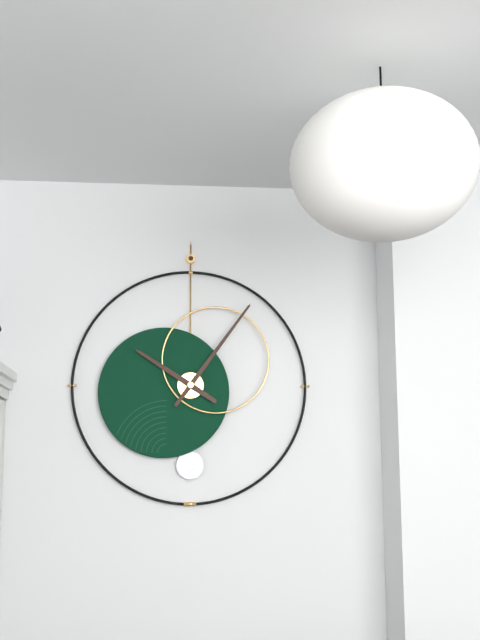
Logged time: 10:06
